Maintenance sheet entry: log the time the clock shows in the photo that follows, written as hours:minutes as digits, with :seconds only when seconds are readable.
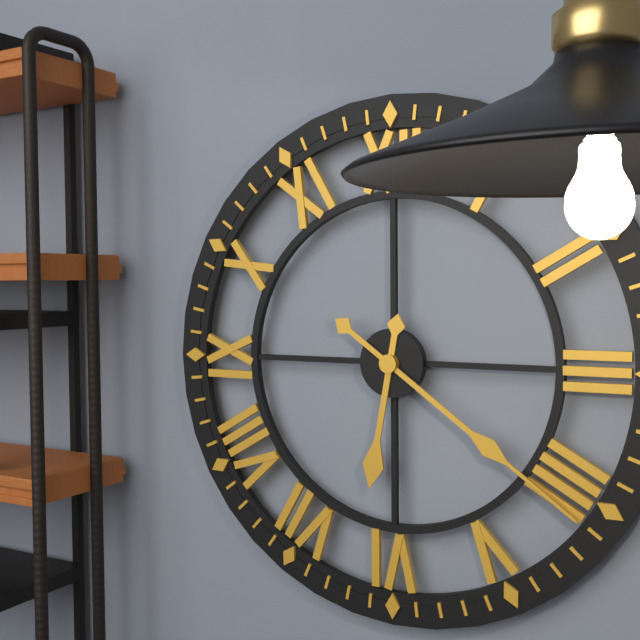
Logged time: 6:21
